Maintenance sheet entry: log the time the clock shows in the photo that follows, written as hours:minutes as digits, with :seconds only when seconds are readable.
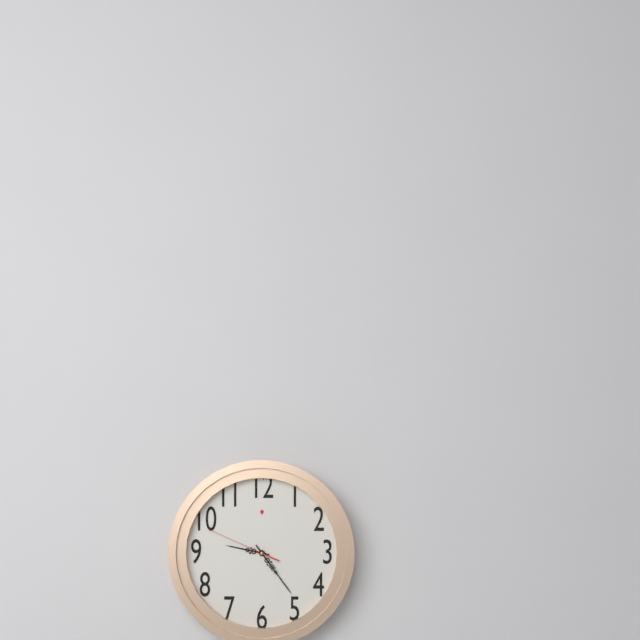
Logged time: 9:24:49
